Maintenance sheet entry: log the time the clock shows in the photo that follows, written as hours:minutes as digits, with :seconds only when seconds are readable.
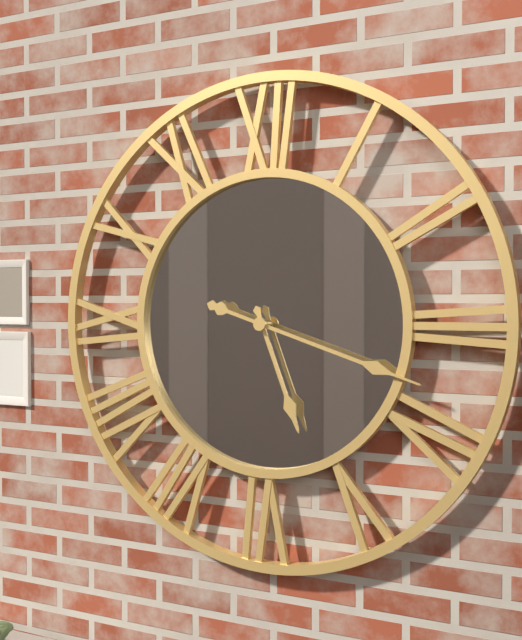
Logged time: 5:18
